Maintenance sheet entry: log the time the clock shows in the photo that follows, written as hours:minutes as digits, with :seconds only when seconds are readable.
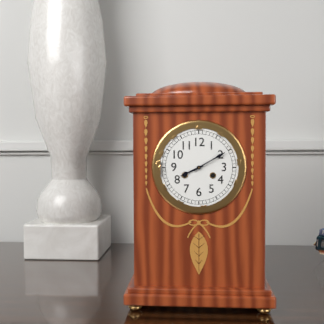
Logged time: 8:10
